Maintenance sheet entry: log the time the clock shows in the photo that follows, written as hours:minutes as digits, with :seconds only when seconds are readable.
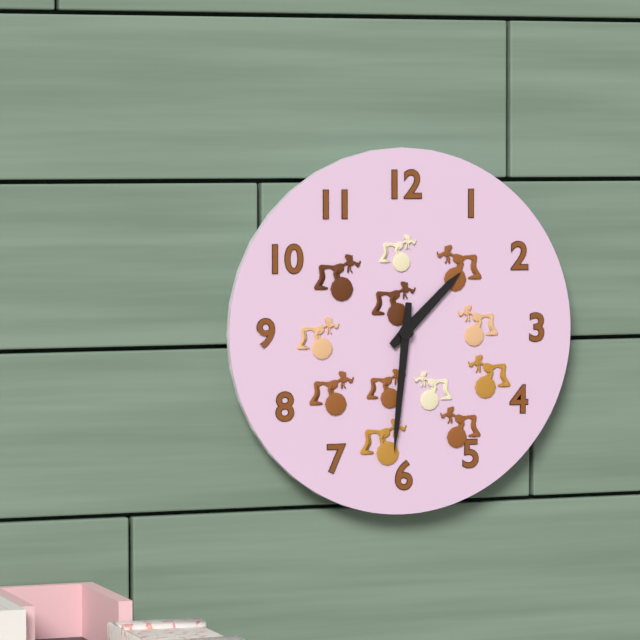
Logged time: 1:31
